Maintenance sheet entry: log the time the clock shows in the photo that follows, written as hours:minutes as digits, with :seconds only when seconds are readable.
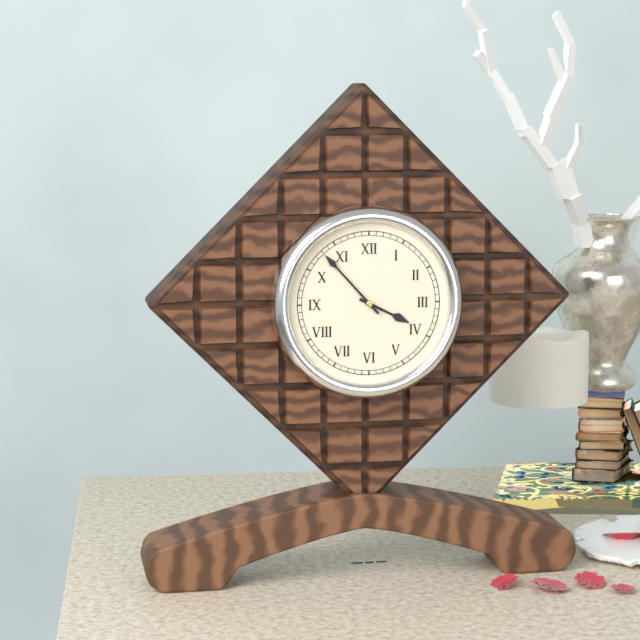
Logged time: 3:53
